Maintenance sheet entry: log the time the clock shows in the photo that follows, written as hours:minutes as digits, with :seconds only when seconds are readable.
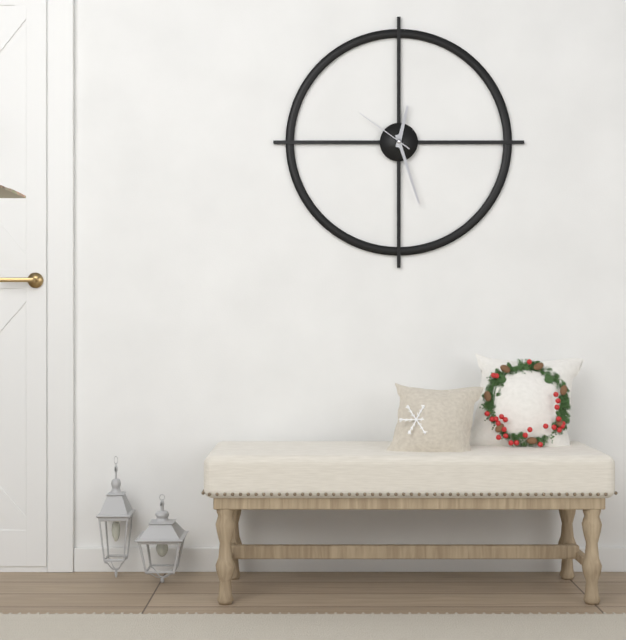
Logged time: 12:27:51
